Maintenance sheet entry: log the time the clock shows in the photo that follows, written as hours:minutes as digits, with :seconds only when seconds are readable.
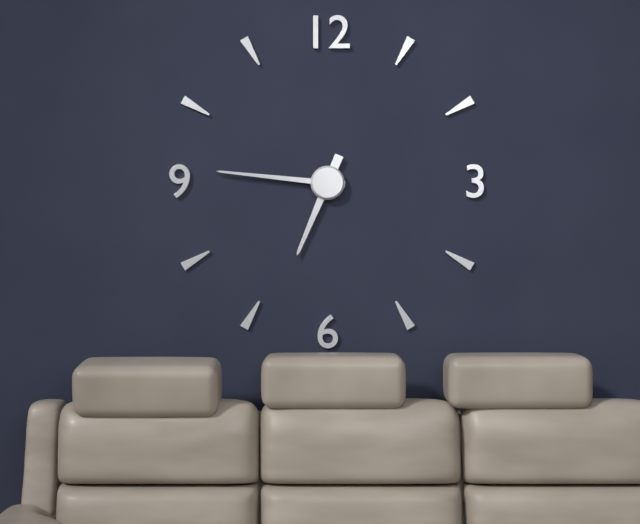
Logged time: 6:46
